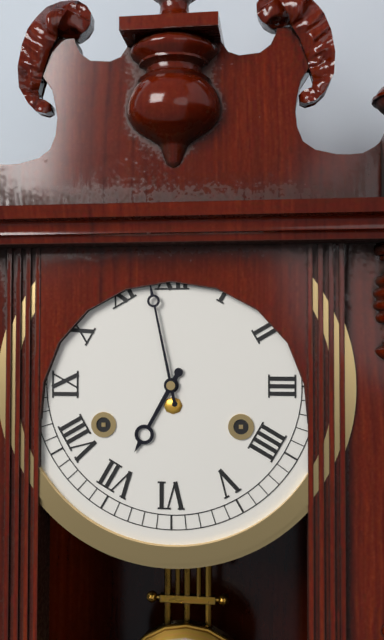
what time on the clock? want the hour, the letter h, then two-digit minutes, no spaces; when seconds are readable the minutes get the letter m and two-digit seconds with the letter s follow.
6h58
